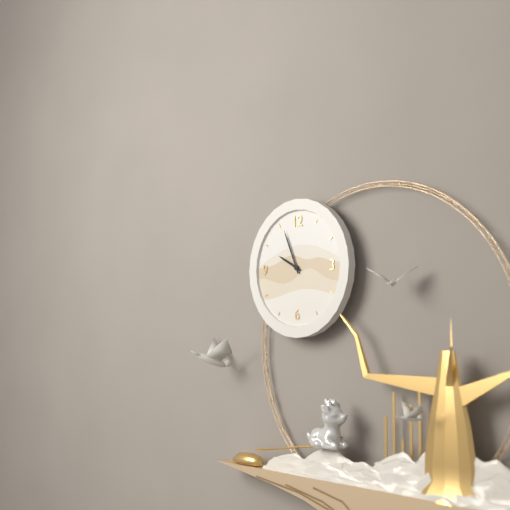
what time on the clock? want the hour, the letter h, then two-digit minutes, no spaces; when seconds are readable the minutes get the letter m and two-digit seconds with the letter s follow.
9h56
